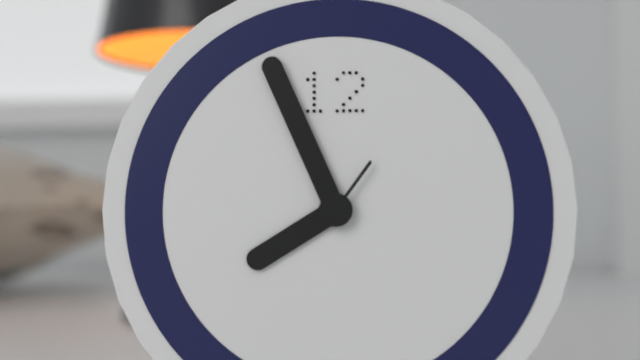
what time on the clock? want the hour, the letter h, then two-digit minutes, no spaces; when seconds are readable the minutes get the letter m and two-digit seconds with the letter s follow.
7h56m06s
